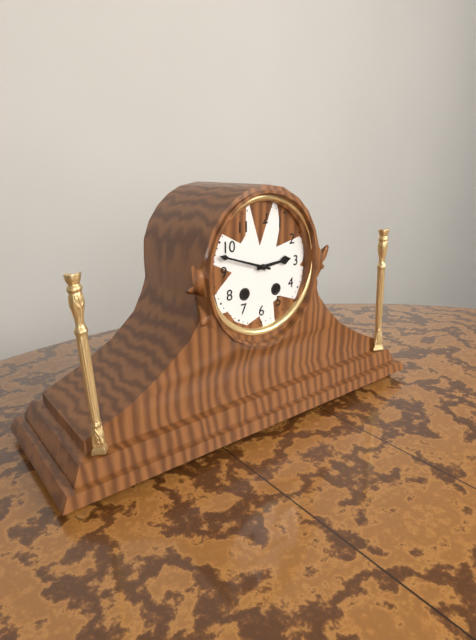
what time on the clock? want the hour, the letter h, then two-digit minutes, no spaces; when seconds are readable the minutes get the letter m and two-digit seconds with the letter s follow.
2h48
